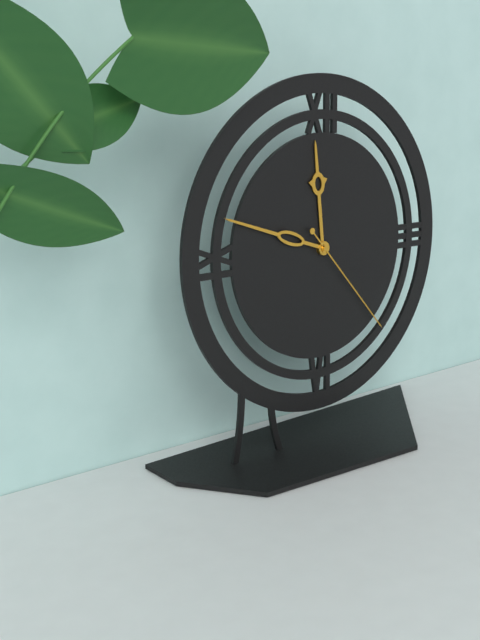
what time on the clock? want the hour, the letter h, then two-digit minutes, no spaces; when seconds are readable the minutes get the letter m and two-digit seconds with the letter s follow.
11h48m23s
